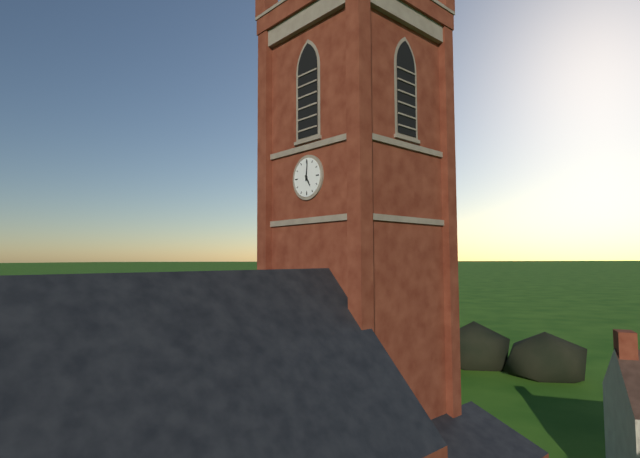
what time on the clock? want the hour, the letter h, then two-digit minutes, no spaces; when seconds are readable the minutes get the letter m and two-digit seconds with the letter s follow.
5h01
